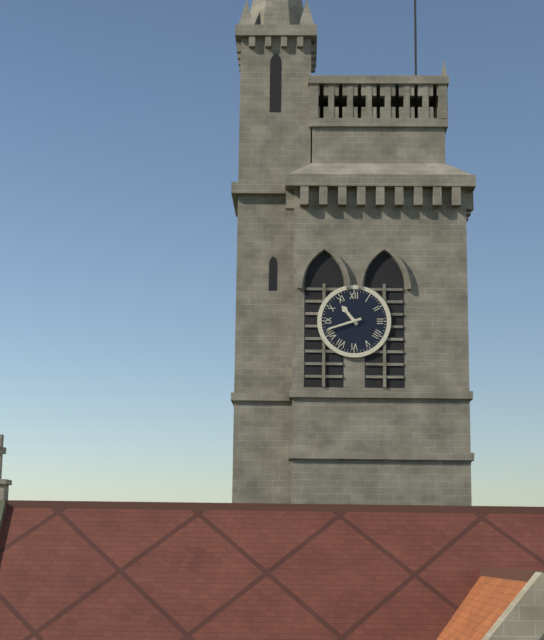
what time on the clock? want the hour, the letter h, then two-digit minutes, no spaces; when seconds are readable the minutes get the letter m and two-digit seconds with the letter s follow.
10h42
